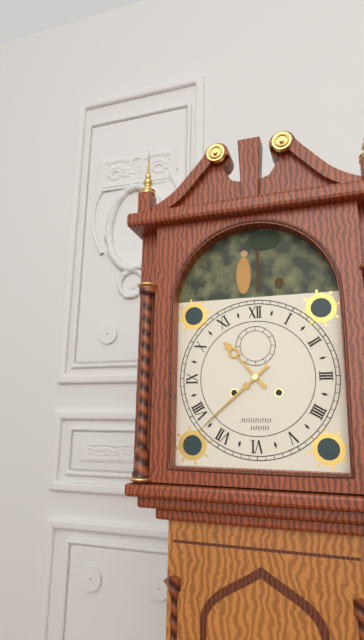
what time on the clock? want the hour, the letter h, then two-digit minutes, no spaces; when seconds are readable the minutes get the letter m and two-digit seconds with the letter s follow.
10h38
